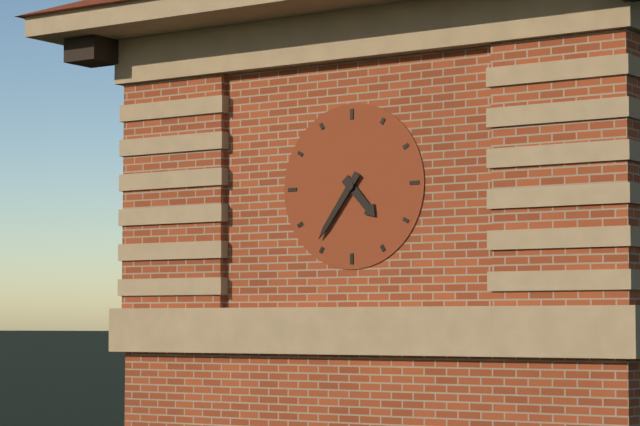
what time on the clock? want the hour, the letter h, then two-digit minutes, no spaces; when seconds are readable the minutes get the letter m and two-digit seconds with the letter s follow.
4h36
